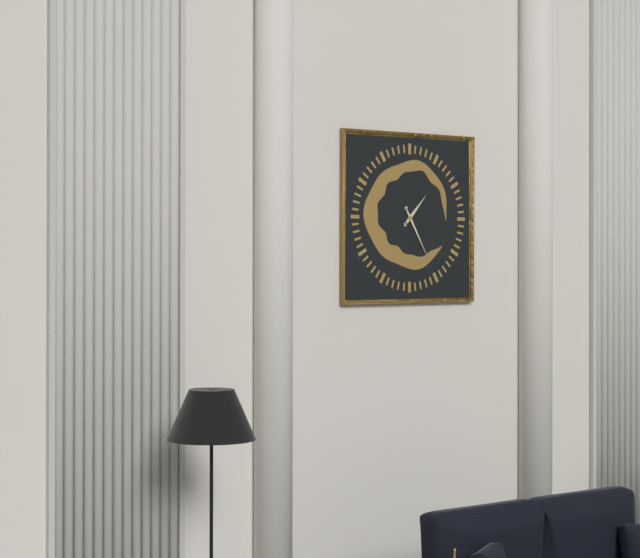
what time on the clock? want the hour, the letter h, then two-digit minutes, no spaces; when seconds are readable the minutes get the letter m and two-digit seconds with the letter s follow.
1h25
